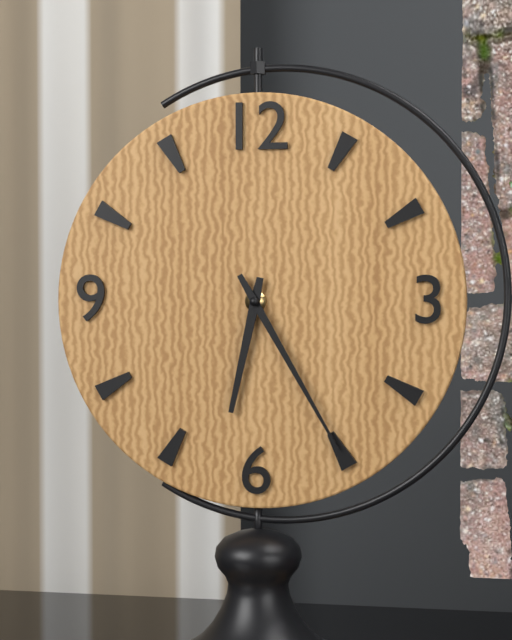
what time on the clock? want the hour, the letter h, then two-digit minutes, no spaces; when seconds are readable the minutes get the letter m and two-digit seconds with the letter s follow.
6h25
